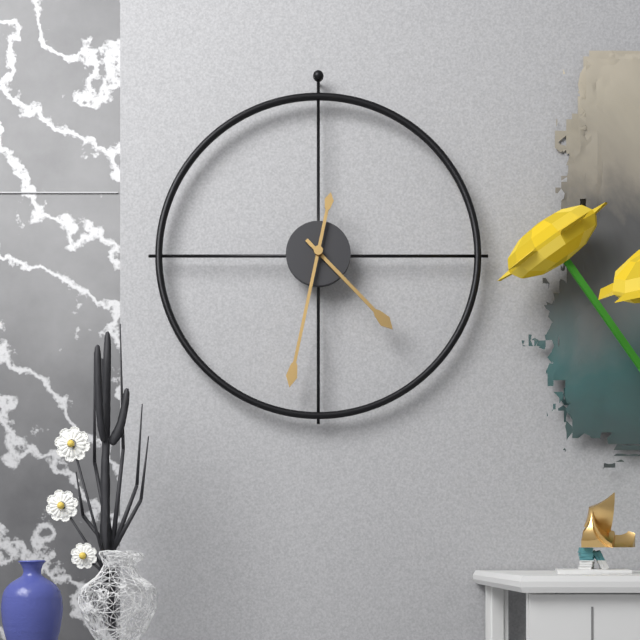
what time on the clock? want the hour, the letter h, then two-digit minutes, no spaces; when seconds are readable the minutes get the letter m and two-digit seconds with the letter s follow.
4h32
